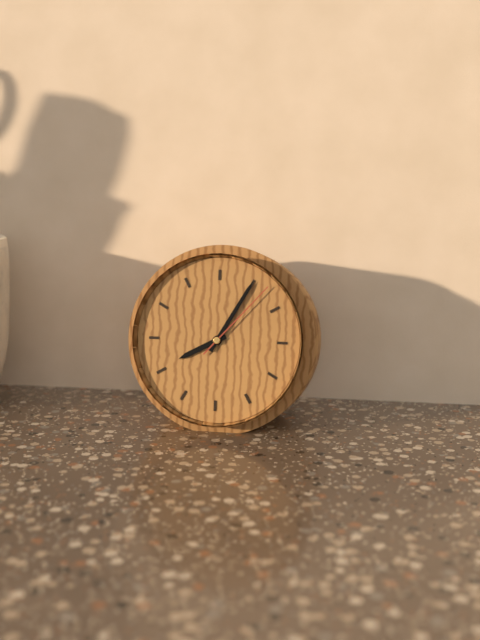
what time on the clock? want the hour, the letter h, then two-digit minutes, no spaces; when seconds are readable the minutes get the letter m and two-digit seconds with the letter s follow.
8h05m07s
